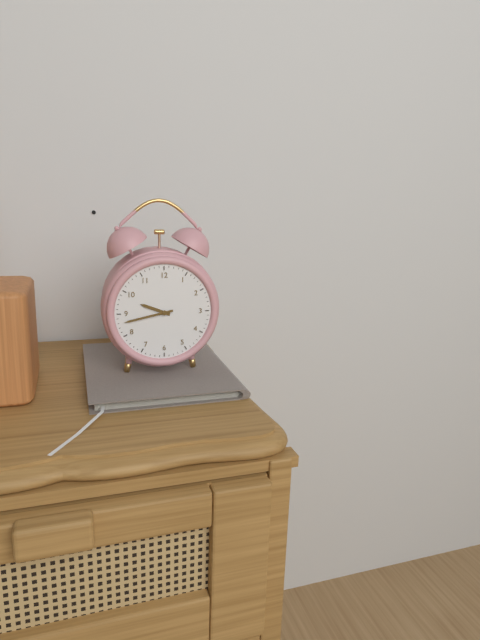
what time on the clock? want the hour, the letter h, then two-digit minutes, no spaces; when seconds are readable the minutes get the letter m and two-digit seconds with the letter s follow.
9h43
